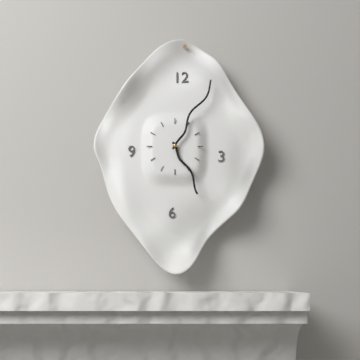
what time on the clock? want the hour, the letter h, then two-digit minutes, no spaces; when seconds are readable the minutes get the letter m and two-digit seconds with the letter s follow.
5h05
